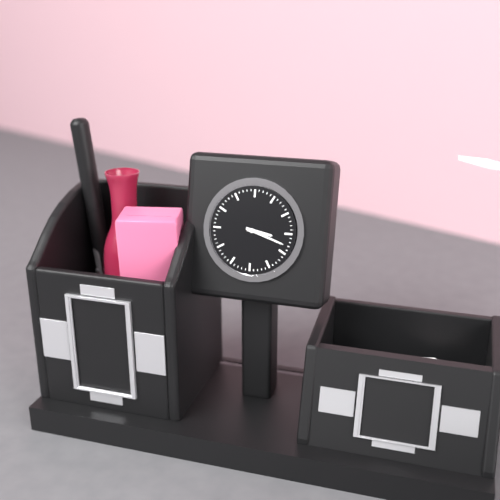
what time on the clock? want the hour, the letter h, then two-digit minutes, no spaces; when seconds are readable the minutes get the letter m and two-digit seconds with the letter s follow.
3h18
